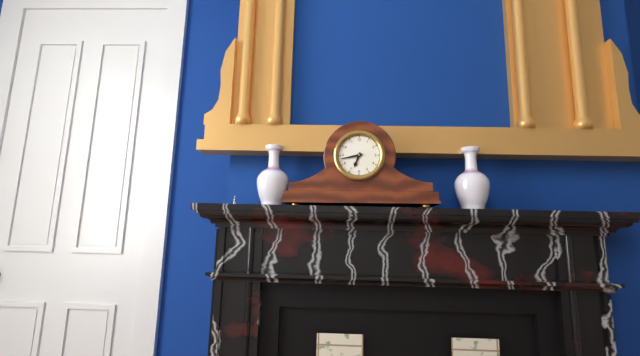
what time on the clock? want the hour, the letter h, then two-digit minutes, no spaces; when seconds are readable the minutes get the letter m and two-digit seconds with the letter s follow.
6h43
